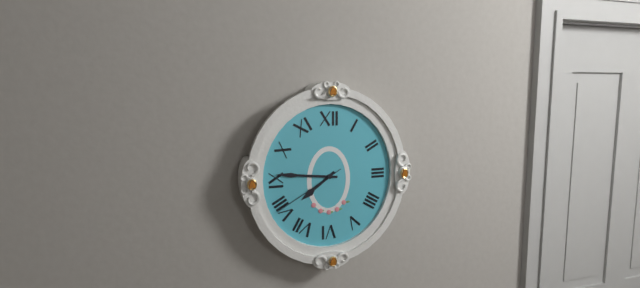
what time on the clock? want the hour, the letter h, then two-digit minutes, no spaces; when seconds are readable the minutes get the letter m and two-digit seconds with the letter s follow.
7h46m40s
